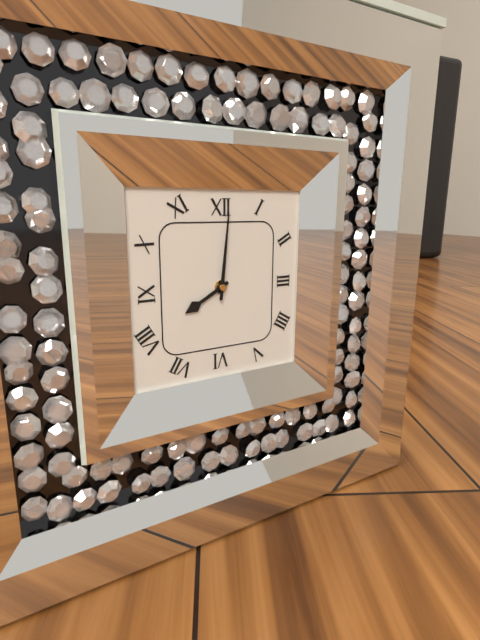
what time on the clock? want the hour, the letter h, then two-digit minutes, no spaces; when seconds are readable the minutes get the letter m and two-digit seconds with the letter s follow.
8h01
